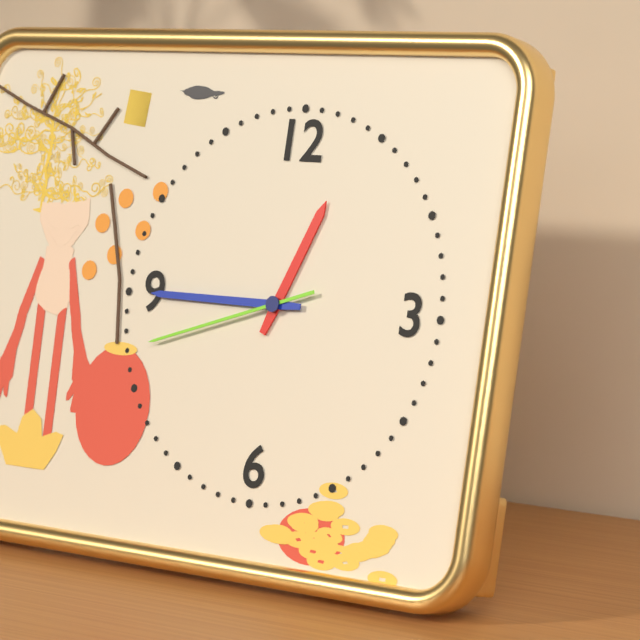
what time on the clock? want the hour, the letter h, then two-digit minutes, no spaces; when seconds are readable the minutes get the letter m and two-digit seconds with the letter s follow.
12h45m42s
